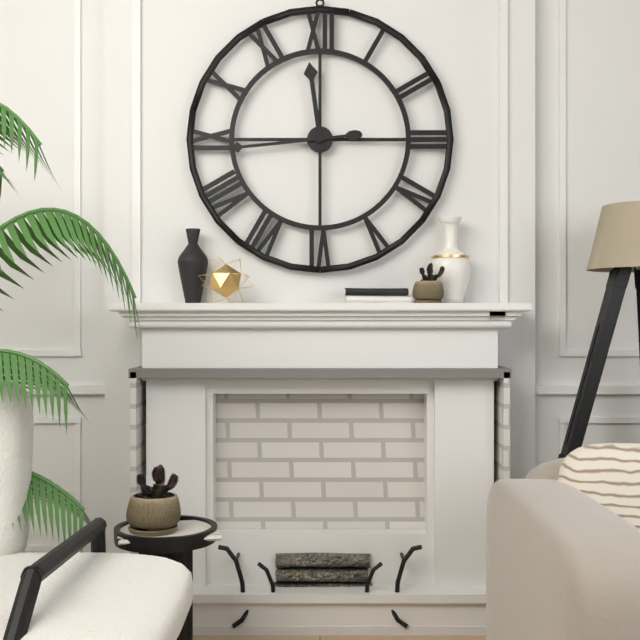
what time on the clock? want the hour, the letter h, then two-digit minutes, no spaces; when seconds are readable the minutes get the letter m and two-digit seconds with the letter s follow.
11h44
